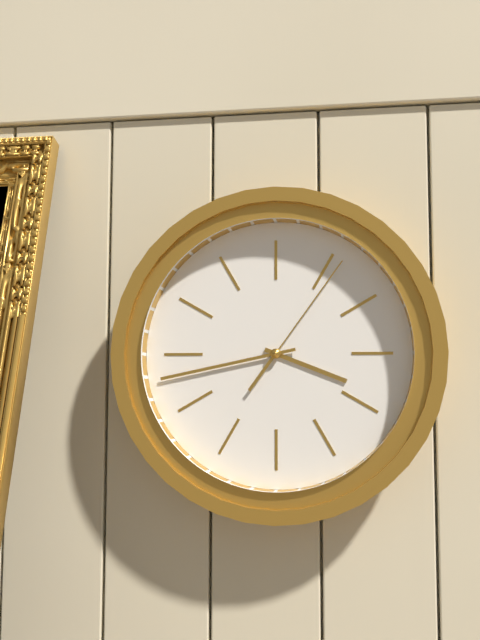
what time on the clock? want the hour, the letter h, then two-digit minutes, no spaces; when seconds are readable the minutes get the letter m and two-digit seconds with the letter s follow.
3h43m06s
